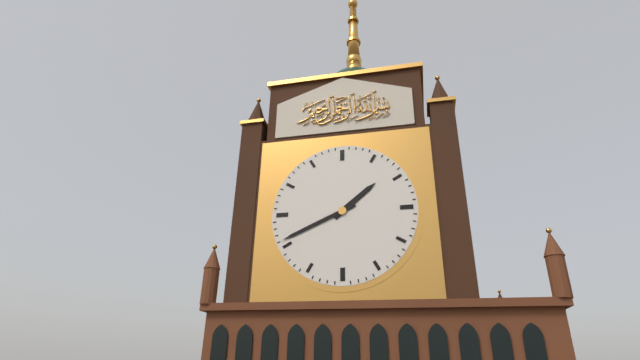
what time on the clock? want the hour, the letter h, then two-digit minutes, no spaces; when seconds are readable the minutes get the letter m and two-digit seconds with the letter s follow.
1h41
